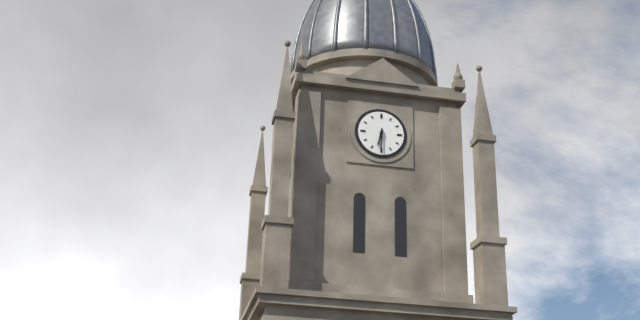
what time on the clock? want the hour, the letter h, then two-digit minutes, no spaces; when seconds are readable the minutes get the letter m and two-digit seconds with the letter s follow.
6h30
